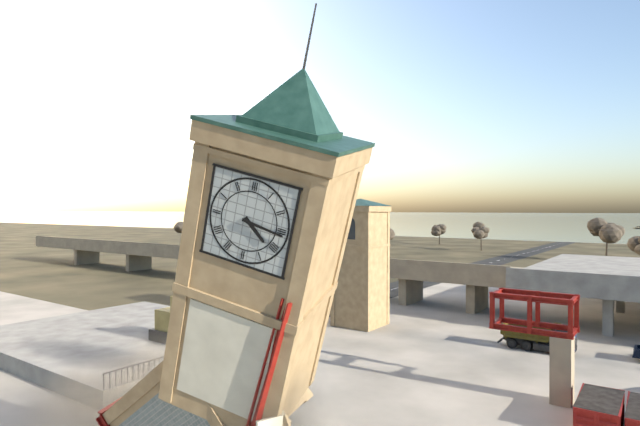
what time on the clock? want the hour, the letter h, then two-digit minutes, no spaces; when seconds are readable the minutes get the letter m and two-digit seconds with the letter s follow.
4h16
